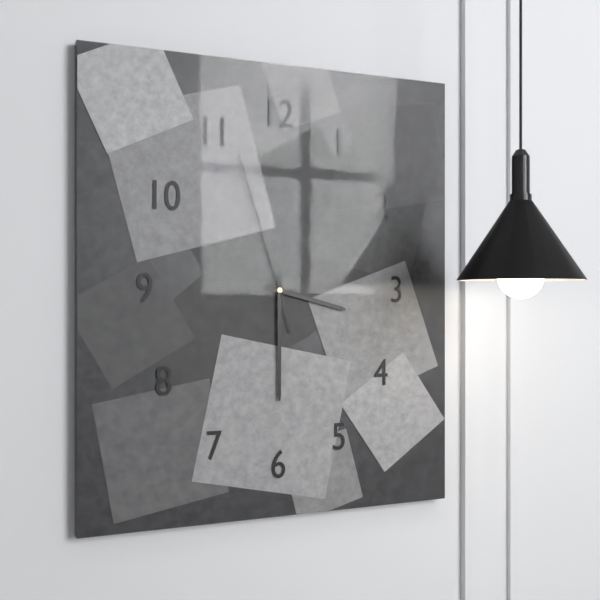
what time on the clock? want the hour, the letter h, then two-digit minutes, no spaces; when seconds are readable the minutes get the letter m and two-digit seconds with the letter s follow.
3h30m57s
